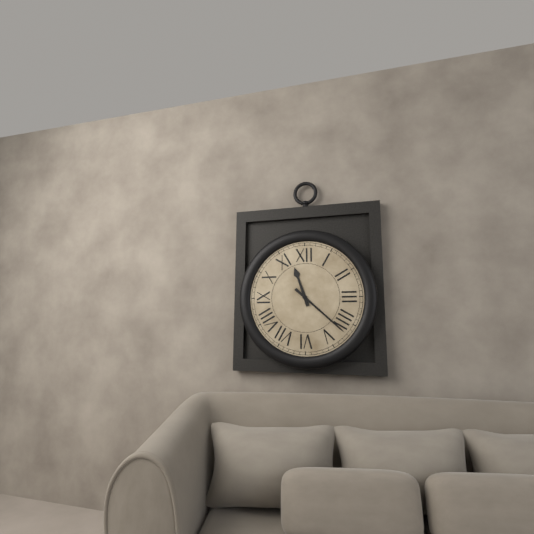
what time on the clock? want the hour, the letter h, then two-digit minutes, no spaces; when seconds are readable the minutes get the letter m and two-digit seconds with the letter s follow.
11h22
